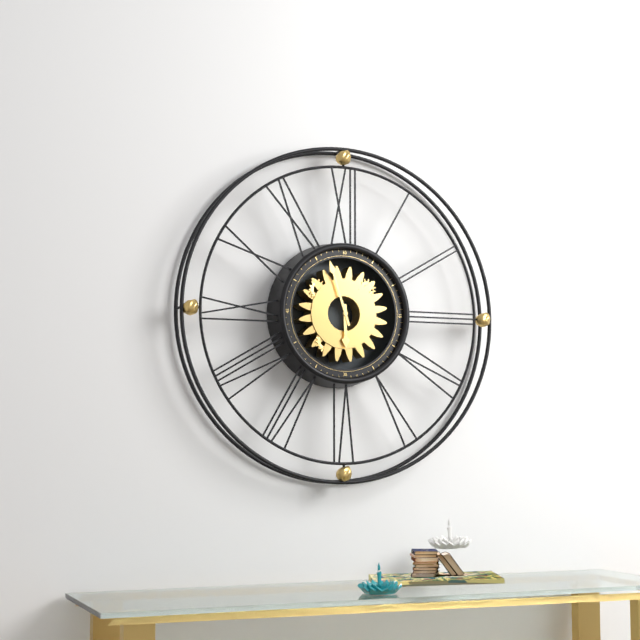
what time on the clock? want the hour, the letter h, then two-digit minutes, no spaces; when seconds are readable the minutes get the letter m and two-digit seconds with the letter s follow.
5h57
